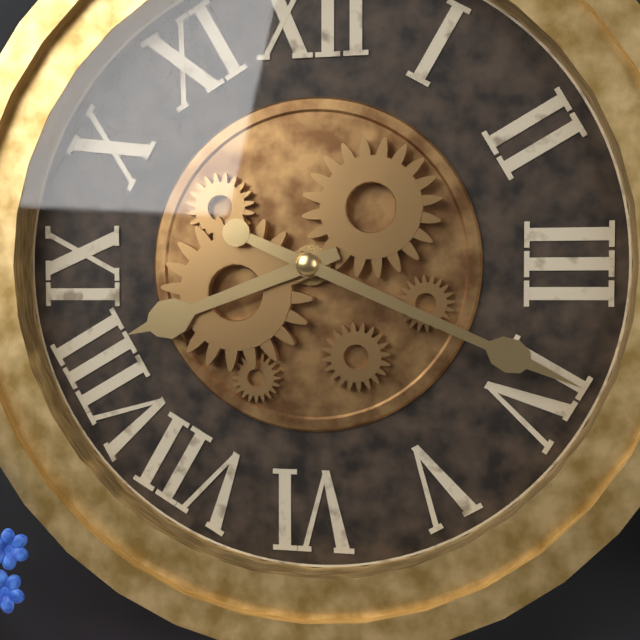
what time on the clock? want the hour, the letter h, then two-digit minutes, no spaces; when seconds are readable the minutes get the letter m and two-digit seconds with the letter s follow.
8h19
